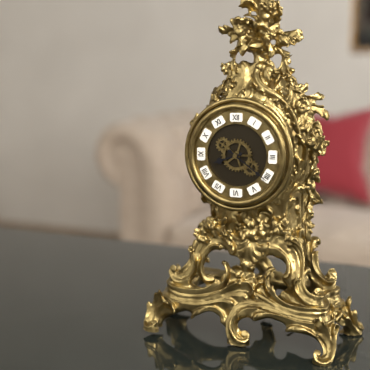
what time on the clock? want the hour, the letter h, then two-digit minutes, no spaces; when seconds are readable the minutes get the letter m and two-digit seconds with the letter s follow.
8h21
